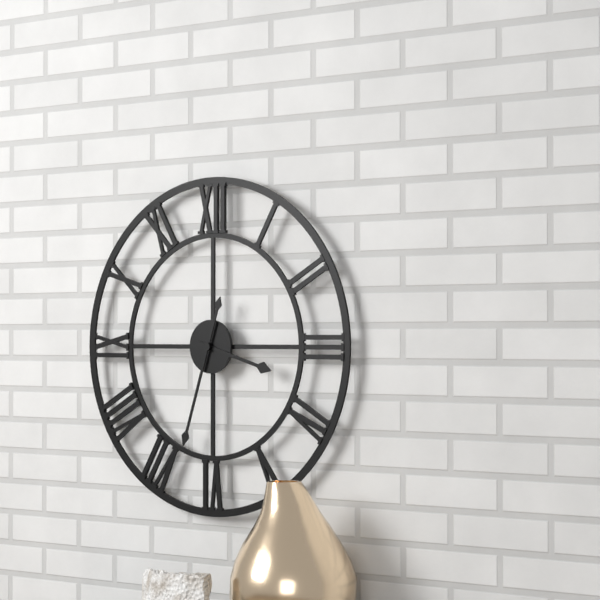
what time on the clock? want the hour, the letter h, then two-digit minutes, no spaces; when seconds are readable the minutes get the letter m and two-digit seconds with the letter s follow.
3h33
